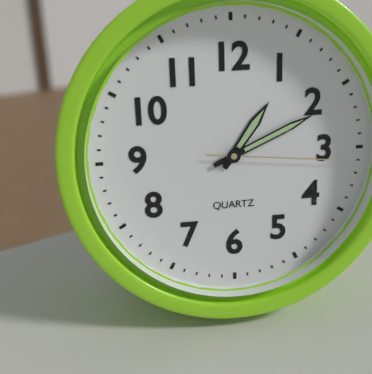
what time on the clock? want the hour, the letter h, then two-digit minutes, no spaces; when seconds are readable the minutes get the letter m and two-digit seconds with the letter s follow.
1h11m16s
